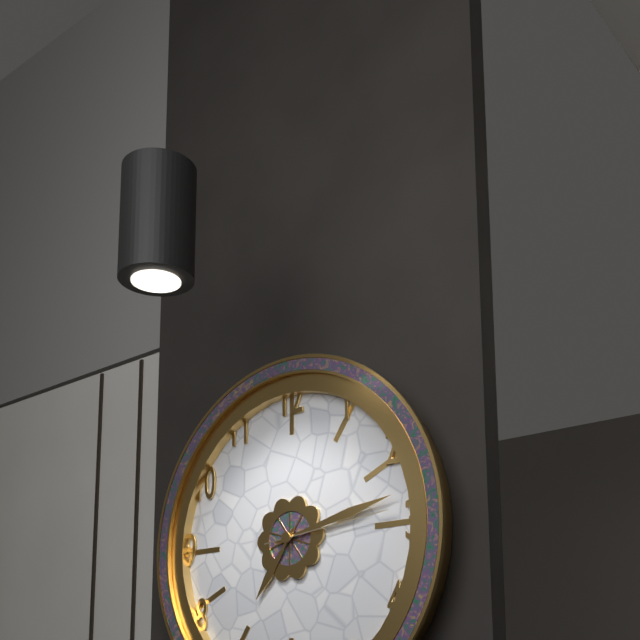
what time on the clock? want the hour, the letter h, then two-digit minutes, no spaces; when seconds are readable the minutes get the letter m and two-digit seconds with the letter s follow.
7h13m14s
